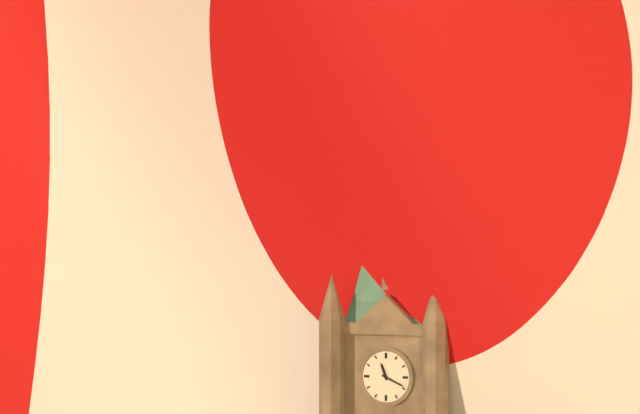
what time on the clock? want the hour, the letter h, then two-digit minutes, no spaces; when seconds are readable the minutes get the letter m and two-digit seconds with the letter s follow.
11h19
